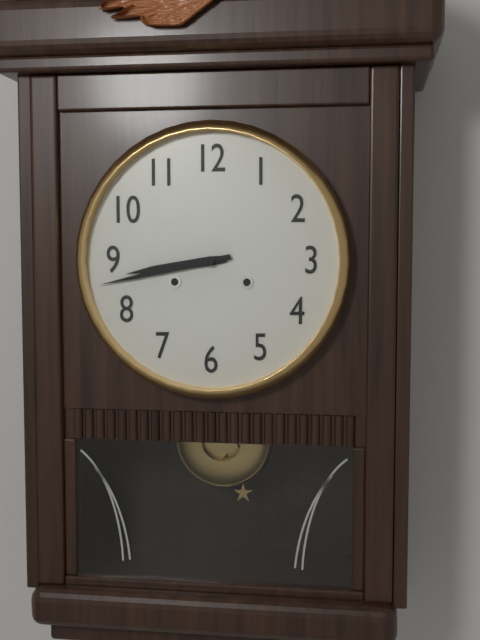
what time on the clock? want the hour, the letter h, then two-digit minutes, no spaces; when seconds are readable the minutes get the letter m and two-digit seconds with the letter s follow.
8h43
